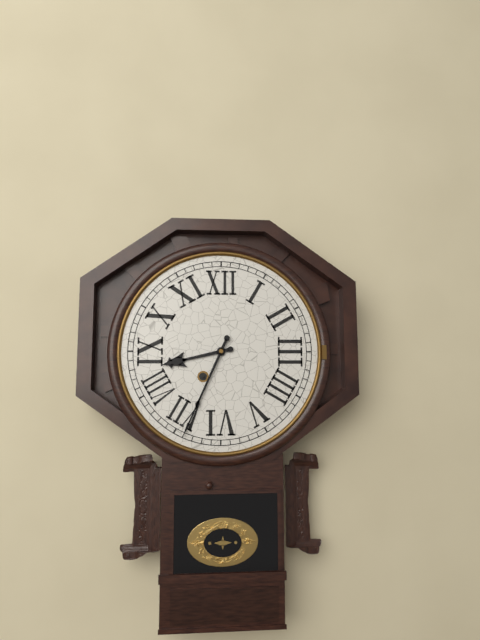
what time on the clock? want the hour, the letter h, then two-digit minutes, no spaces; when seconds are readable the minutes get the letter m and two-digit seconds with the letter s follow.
8h34
